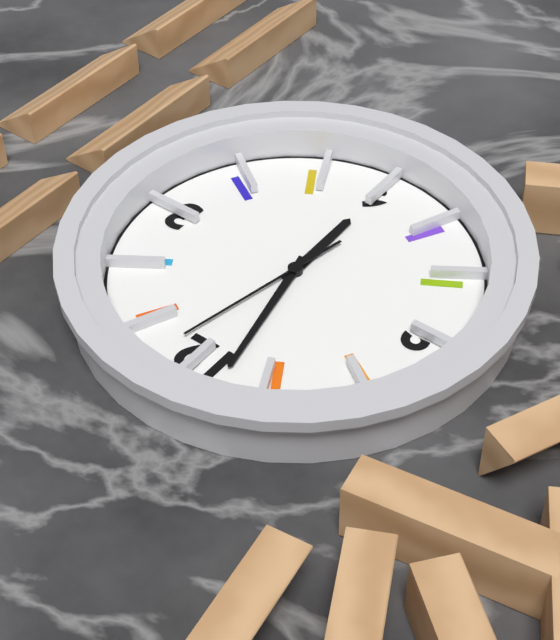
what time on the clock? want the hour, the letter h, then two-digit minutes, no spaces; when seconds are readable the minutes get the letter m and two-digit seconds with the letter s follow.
5h58m02s
